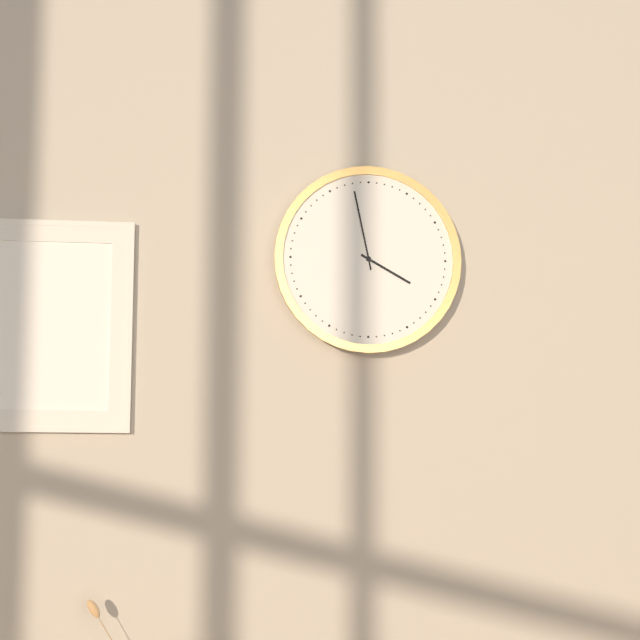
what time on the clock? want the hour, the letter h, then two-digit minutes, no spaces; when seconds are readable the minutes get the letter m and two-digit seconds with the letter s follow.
3h58
